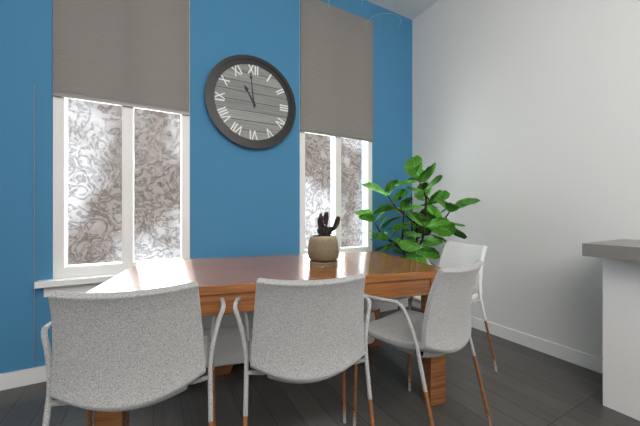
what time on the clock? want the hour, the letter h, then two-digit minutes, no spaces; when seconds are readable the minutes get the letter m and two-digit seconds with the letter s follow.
10h59
